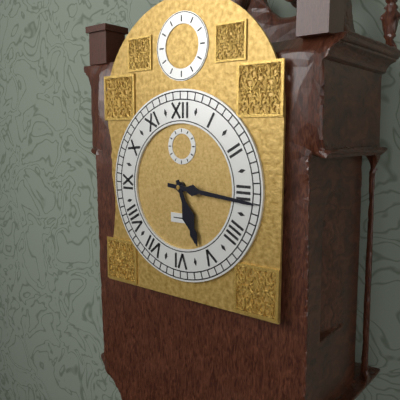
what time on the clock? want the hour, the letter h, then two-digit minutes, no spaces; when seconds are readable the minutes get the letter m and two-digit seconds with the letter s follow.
5h16
